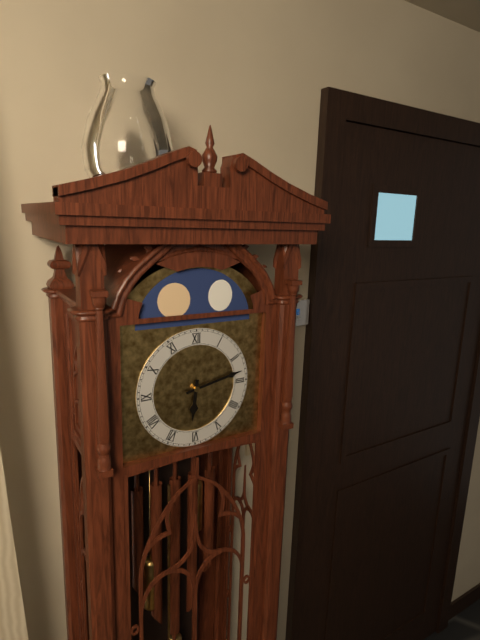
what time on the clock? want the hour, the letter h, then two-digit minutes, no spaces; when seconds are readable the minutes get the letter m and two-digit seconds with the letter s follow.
6h13
